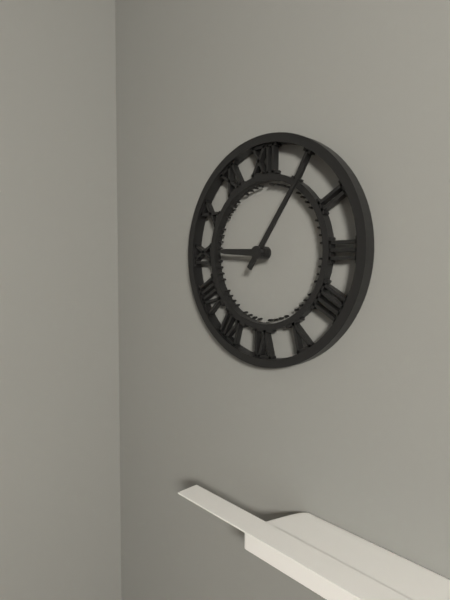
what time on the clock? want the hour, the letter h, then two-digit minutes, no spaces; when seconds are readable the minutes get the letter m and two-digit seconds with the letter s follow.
9h06
